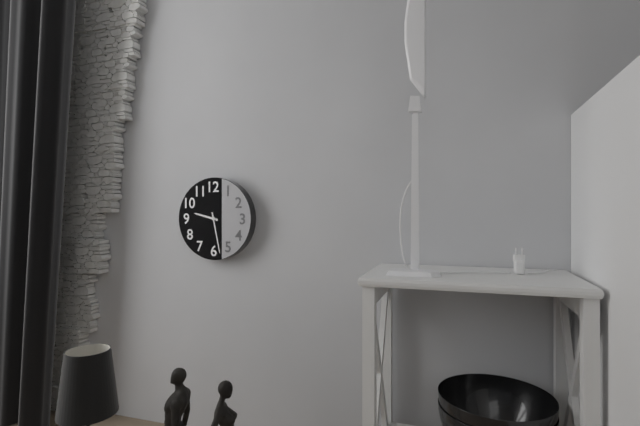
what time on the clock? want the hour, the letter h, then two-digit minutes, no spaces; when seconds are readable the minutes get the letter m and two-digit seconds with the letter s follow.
9h28
